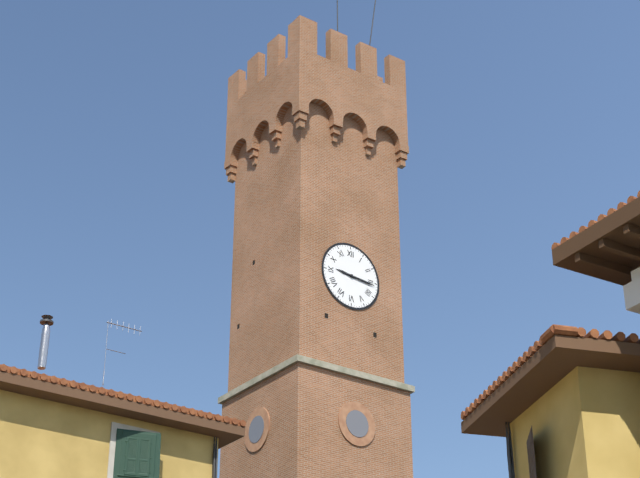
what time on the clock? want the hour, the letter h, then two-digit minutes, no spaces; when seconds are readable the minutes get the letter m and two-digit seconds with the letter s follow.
9h16
